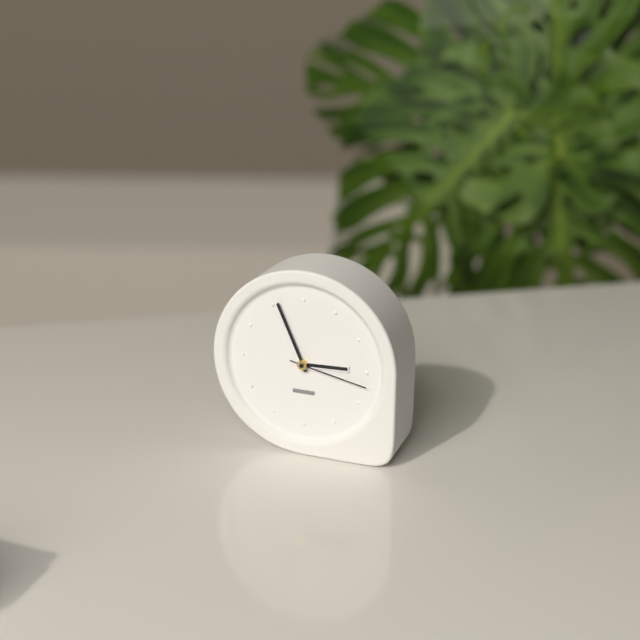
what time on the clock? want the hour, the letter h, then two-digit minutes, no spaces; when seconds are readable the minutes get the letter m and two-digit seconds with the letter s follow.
2h56m17s
